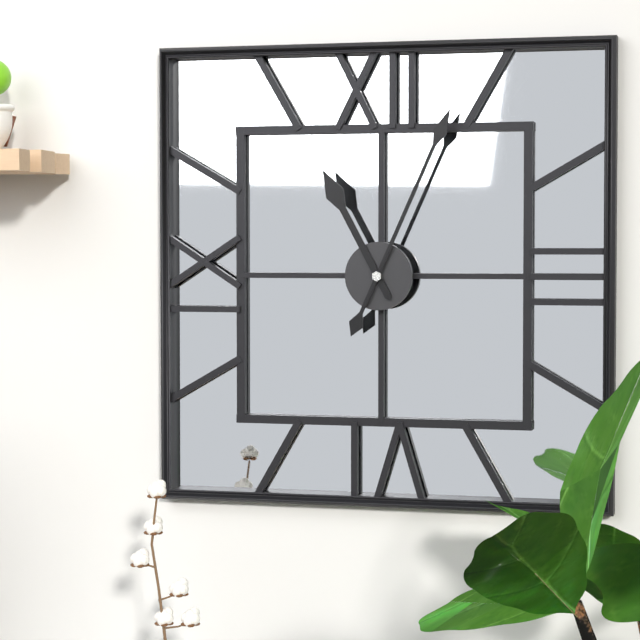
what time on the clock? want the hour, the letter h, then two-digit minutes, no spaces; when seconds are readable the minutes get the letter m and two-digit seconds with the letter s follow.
11h04
